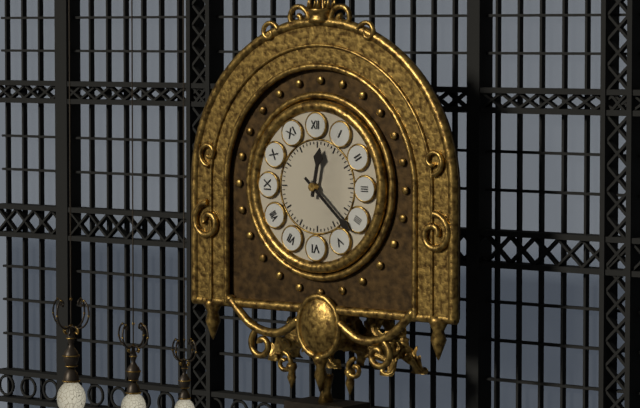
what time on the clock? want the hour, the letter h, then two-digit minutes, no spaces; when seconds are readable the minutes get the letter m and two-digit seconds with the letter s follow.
12h22
